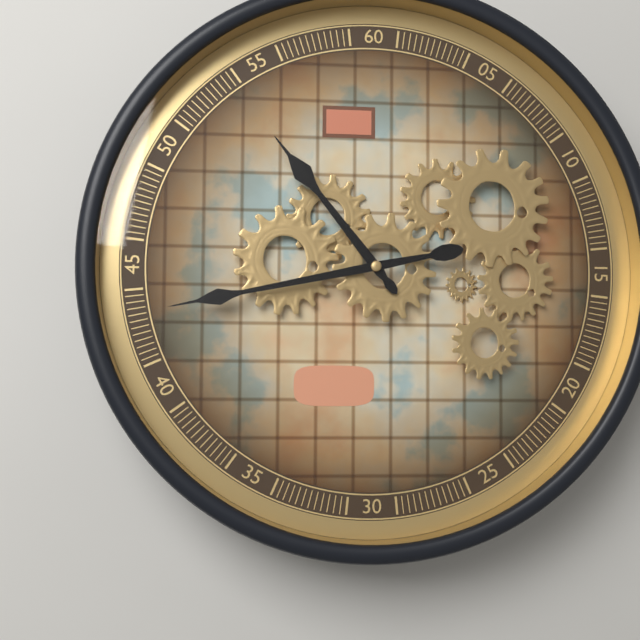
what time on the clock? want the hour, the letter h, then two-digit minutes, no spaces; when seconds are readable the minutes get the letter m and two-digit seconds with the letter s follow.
10h43
